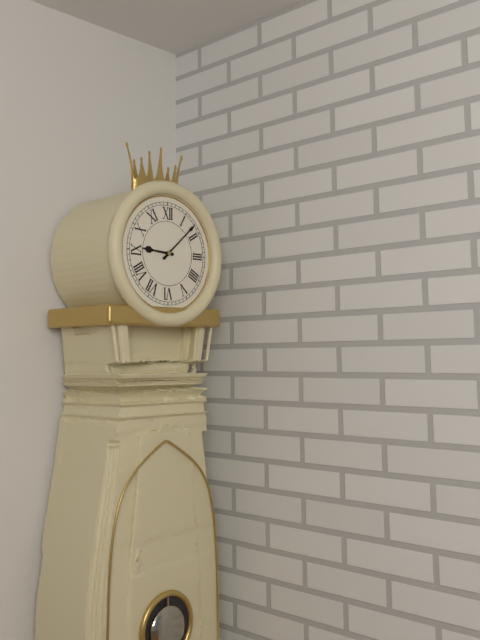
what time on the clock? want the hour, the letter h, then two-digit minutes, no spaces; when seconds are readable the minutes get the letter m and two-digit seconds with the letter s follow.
9h08
